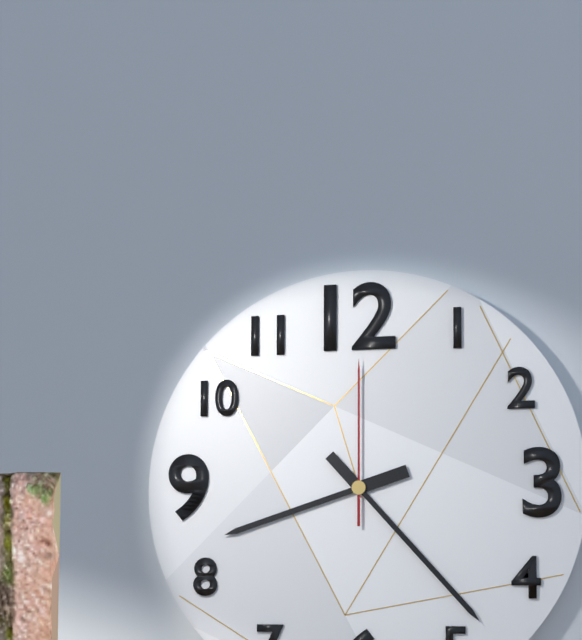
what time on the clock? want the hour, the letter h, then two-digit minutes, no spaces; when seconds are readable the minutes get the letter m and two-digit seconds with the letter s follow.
8h23m00s
